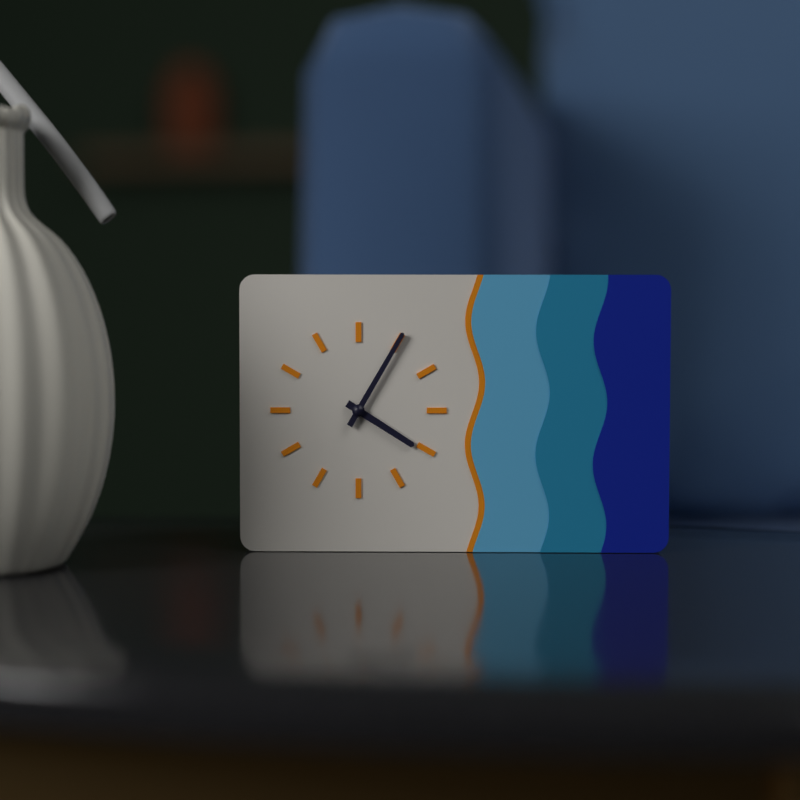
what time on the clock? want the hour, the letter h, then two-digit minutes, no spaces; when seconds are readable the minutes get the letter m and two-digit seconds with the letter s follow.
4h05
